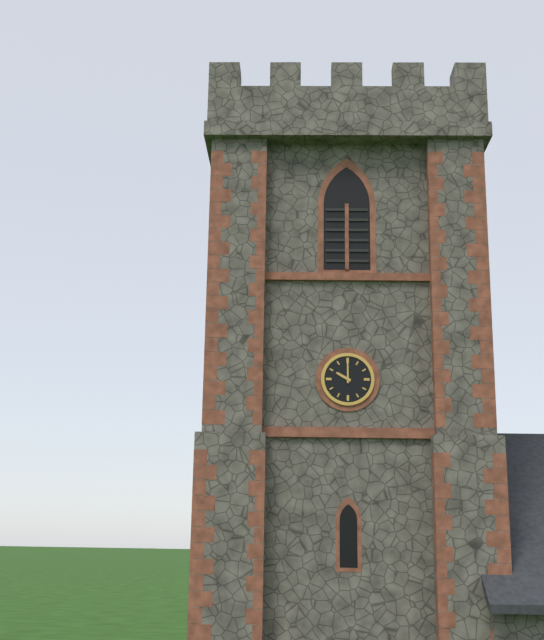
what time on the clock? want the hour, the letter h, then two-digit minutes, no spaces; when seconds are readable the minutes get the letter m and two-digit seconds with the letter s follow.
10h00
